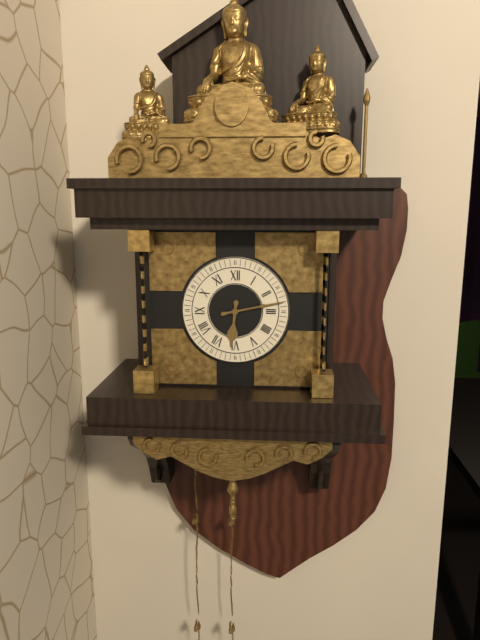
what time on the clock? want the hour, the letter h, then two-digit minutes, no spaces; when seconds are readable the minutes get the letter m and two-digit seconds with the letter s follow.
6h13
